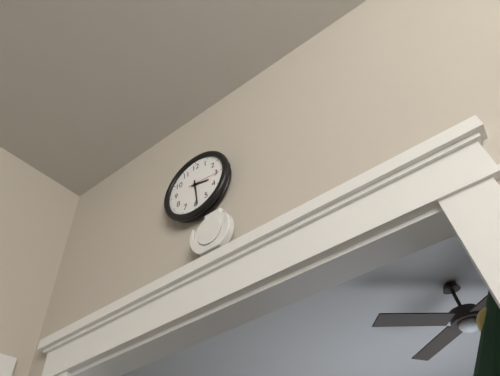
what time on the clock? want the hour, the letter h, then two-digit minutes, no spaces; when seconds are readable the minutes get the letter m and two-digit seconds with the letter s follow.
3h29
